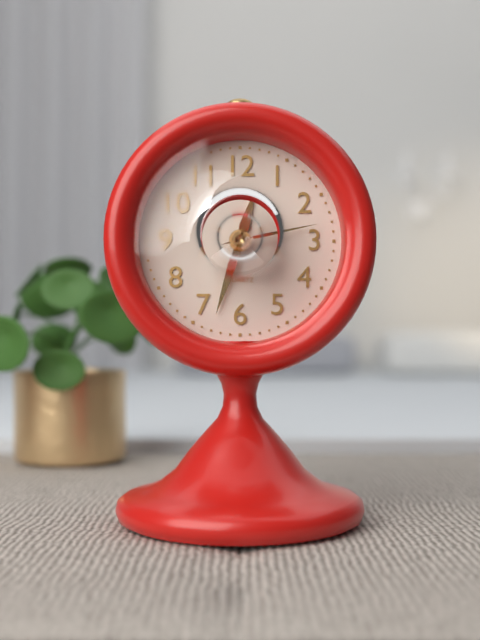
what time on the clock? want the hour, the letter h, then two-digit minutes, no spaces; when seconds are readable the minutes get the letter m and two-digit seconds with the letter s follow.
12h33m13s
